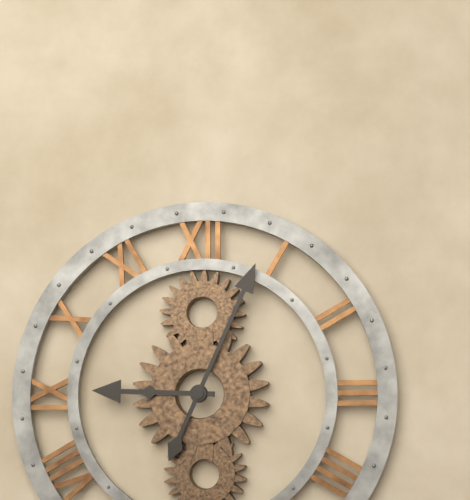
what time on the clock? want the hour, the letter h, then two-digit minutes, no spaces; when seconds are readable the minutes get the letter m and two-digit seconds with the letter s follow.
9h04
